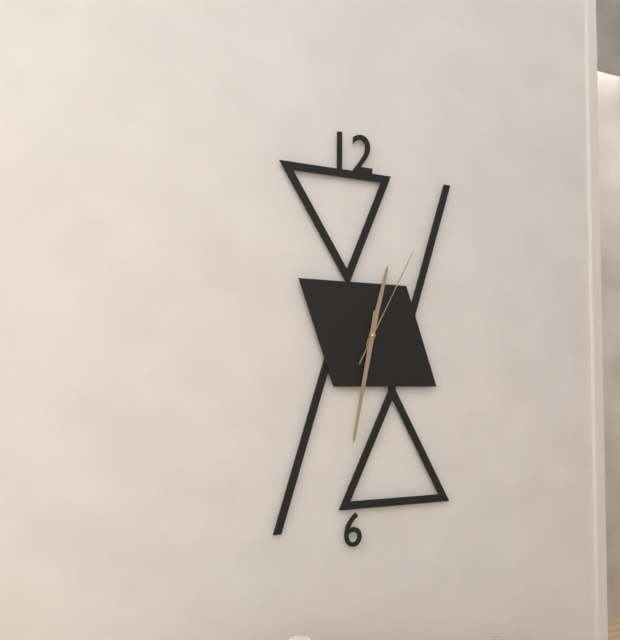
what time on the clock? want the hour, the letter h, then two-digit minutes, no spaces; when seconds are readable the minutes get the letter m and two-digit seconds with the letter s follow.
12h32m05s
